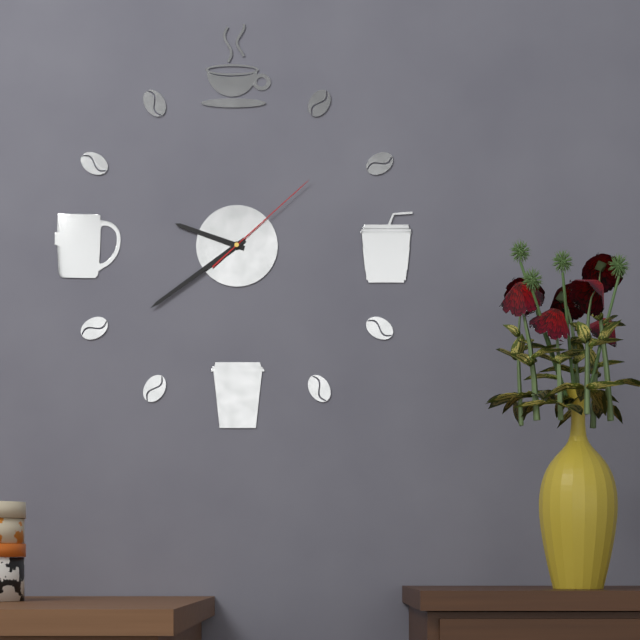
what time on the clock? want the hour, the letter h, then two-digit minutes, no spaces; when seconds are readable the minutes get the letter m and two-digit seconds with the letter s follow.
9h39m08s
